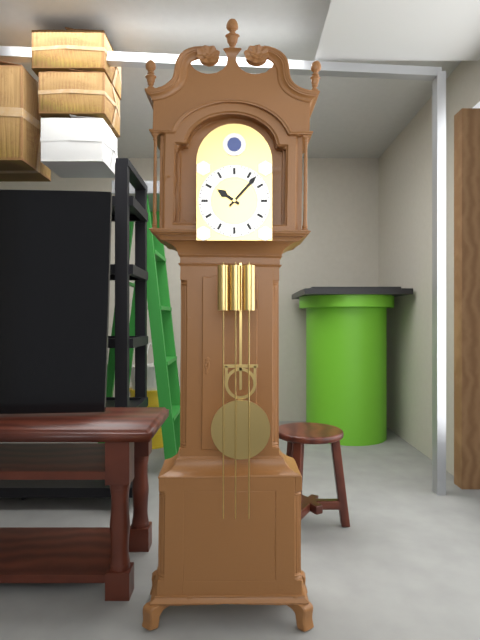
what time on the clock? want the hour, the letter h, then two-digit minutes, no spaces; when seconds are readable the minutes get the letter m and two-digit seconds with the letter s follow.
10h07
